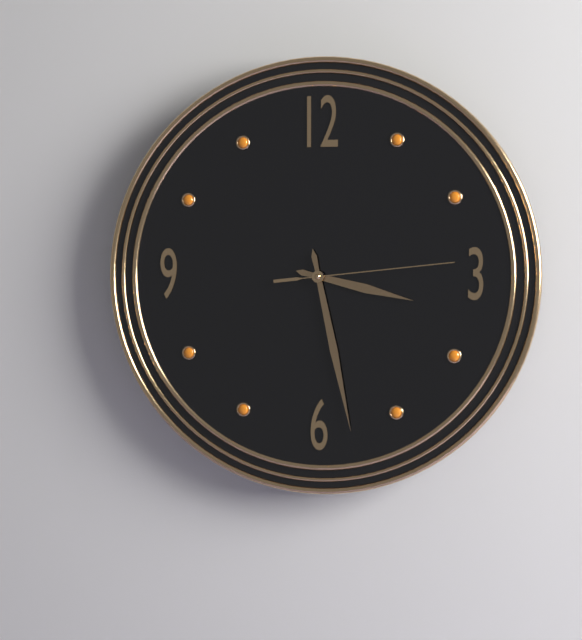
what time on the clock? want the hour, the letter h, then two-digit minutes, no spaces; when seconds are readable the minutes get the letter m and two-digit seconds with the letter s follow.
3h28m14s
